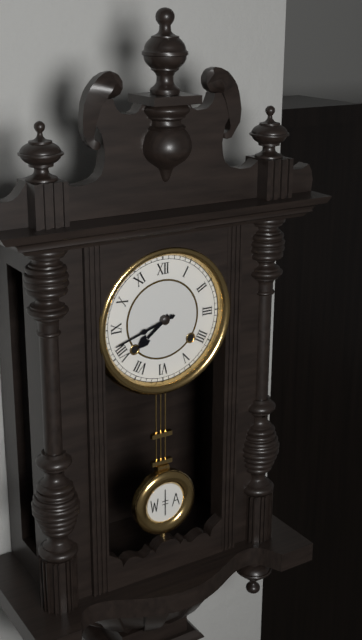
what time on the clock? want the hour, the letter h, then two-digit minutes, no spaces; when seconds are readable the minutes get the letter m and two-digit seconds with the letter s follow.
7h42
